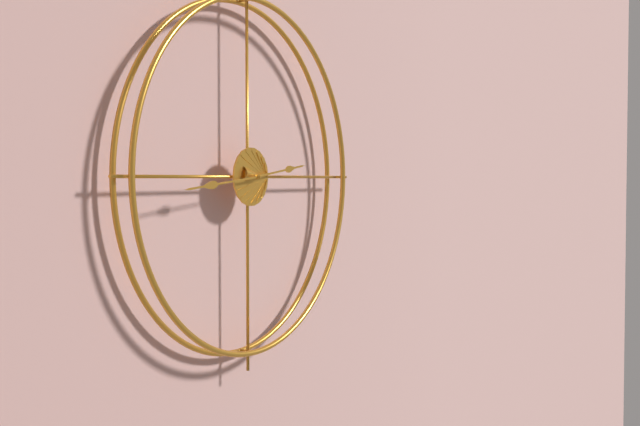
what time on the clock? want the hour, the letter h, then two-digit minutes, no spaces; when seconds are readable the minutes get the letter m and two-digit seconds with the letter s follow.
2h44
